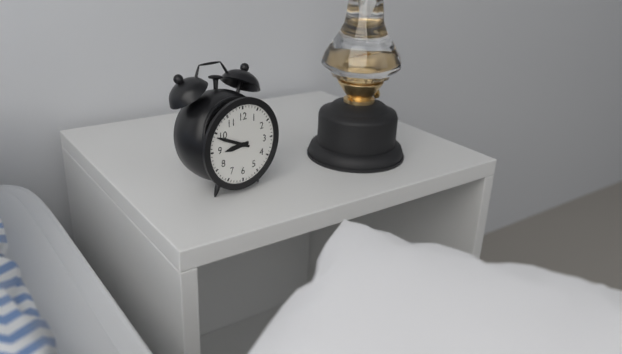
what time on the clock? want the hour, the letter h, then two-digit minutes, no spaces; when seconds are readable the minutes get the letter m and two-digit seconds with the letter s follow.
8h49
